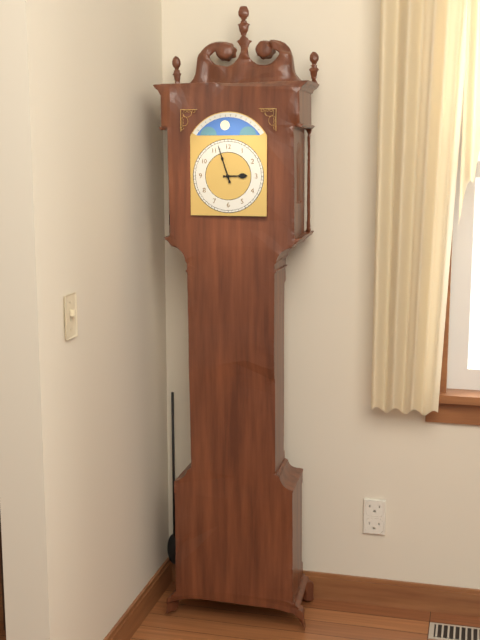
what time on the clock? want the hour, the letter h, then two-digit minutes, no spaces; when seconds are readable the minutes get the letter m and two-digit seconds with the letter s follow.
2h57
